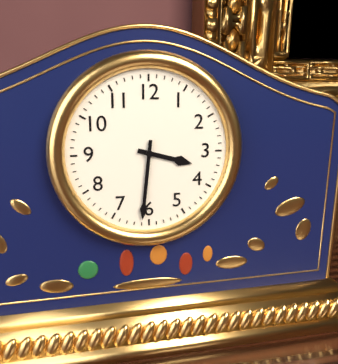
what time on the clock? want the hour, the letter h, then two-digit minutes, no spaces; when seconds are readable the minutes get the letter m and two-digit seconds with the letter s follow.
3h31
